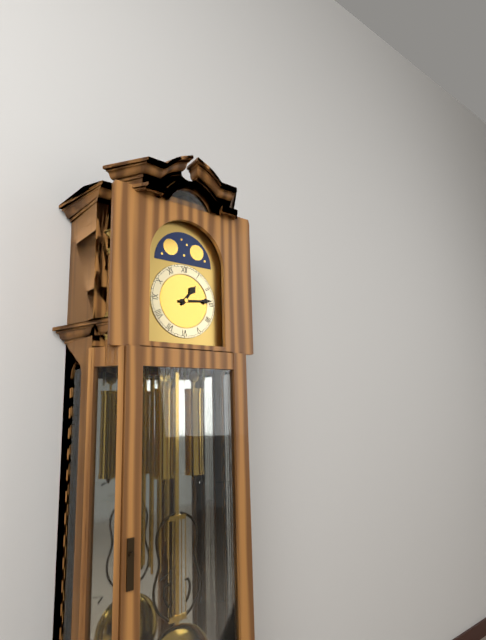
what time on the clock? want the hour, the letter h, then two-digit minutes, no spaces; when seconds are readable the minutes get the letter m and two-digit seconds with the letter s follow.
1h14
